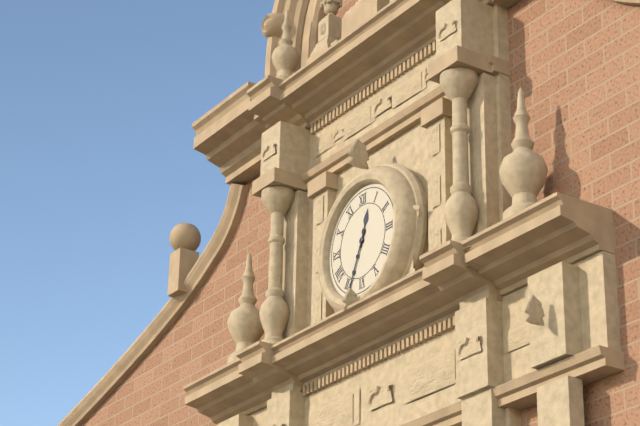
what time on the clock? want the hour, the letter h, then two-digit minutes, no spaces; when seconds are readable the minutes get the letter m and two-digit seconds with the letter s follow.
12h34
